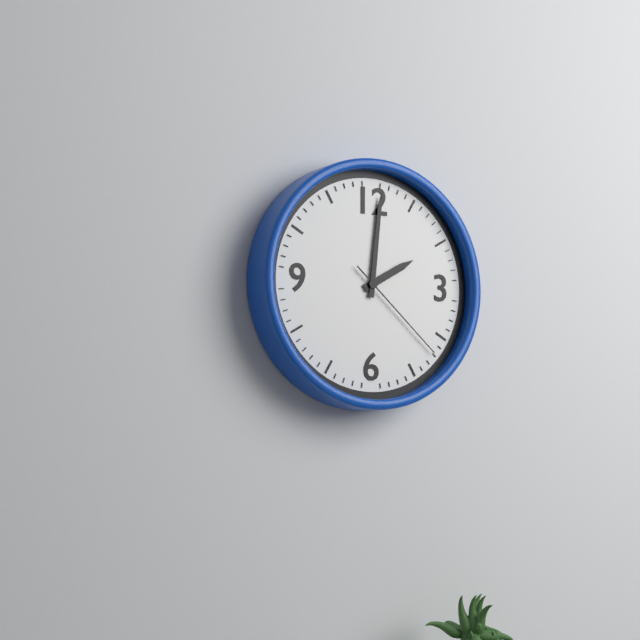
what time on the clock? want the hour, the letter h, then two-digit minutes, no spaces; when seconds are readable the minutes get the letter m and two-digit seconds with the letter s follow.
2h01m22s
